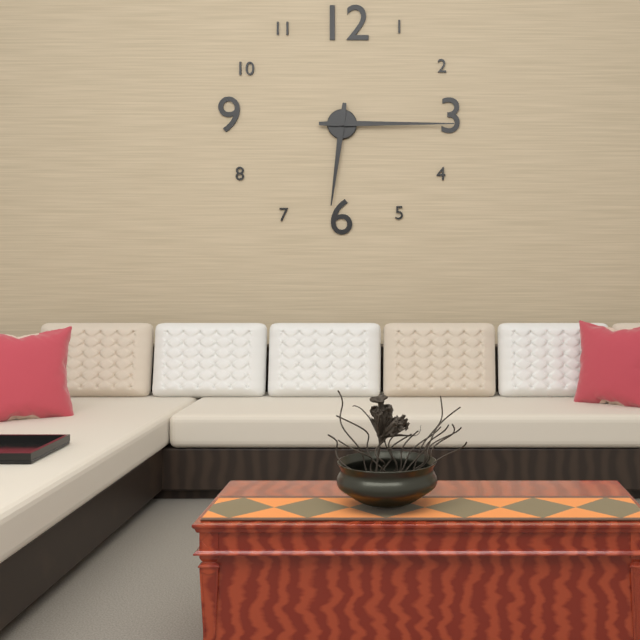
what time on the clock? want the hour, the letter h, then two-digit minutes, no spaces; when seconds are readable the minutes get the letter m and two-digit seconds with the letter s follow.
6h15
